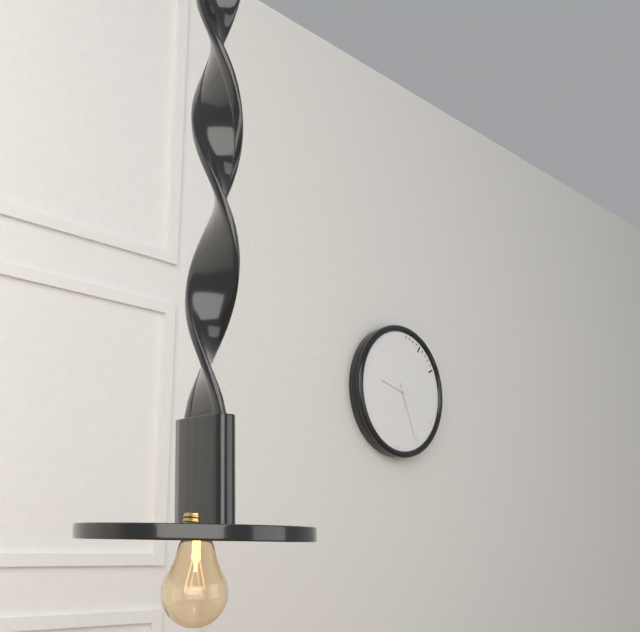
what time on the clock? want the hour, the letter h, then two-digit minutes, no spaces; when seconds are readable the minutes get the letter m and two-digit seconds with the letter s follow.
9h26
